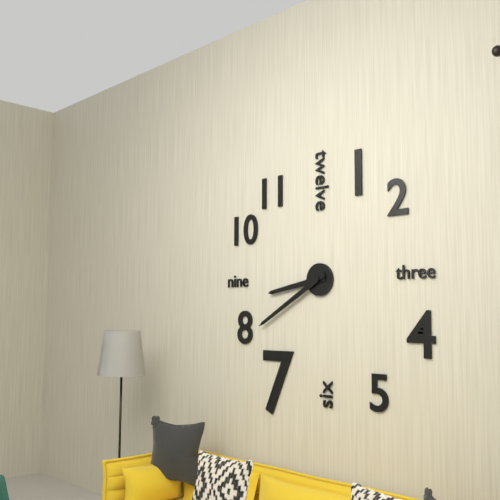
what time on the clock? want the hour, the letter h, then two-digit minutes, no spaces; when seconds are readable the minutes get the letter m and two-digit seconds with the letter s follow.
8h40
